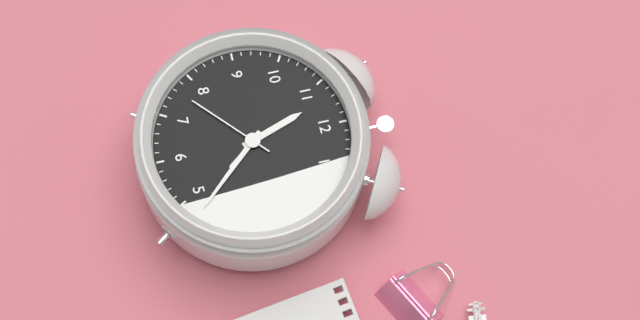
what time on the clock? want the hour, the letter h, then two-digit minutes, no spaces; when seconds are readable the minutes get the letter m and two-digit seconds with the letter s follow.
11h23m38s
